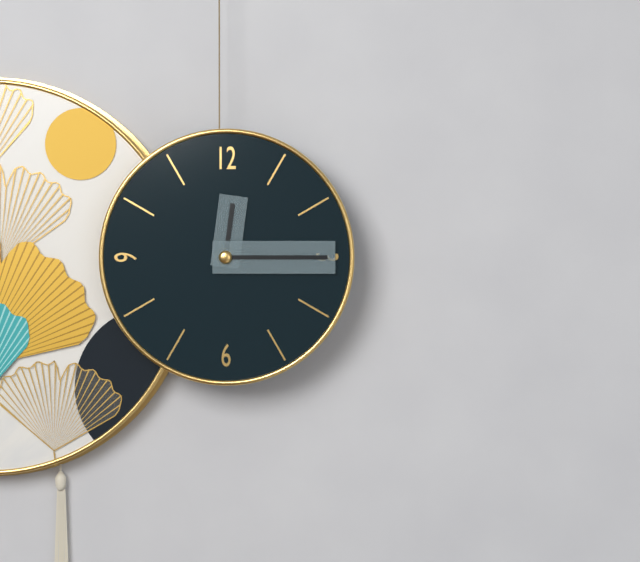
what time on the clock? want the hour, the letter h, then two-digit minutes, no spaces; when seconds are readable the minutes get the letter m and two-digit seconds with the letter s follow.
12h15
